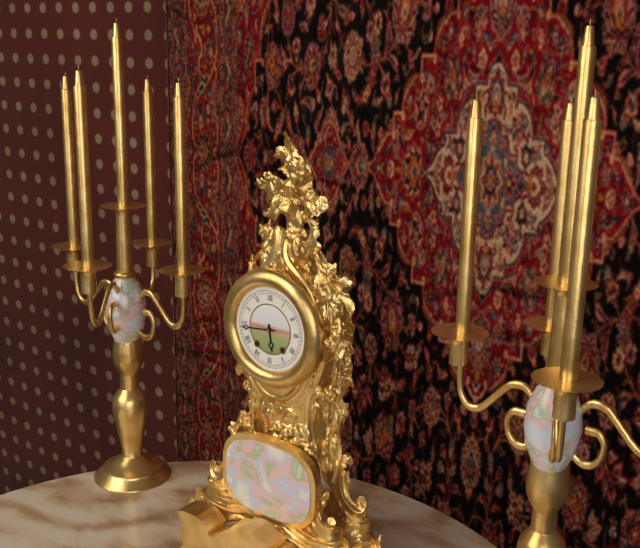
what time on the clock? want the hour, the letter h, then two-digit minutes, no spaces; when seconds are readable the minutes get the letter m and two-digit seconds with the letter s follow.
5h44
